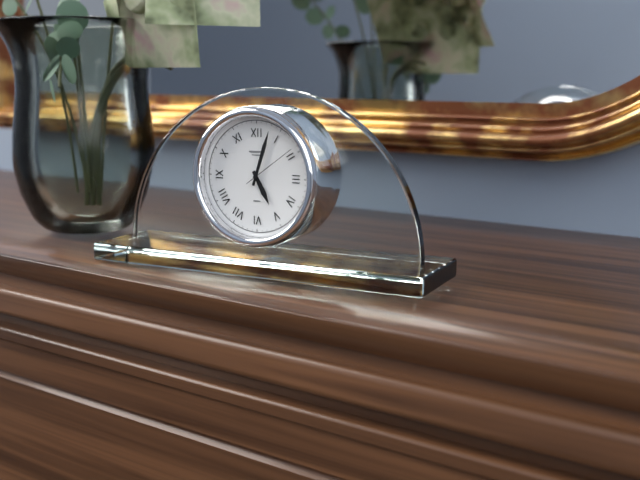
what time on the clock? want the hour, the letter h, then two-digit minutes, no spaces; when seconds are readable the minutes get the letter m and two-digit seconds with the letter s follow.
5h03m09s
